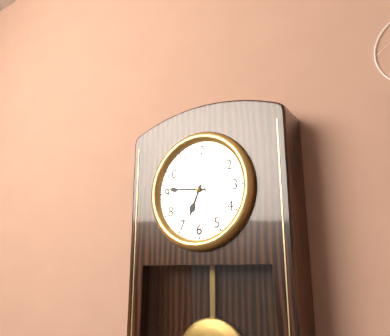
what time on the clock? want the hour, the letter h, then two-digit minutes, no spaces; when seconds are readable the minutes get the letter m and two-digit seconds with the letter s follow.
6h46
